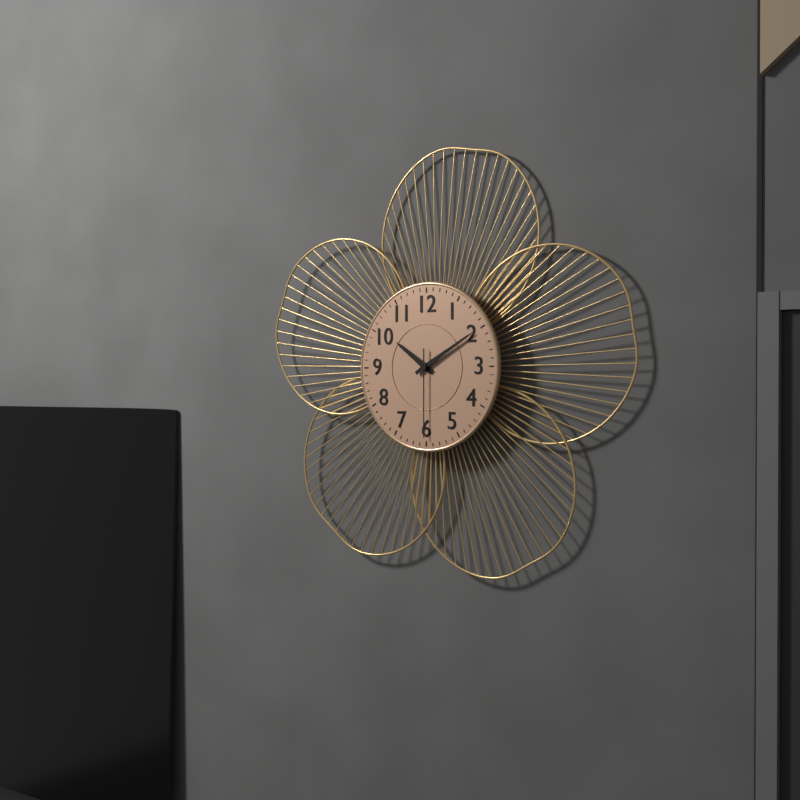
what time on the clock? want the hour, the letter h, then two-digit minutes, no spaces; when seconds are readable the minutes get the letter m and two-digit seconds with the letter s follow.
10h10m30s
